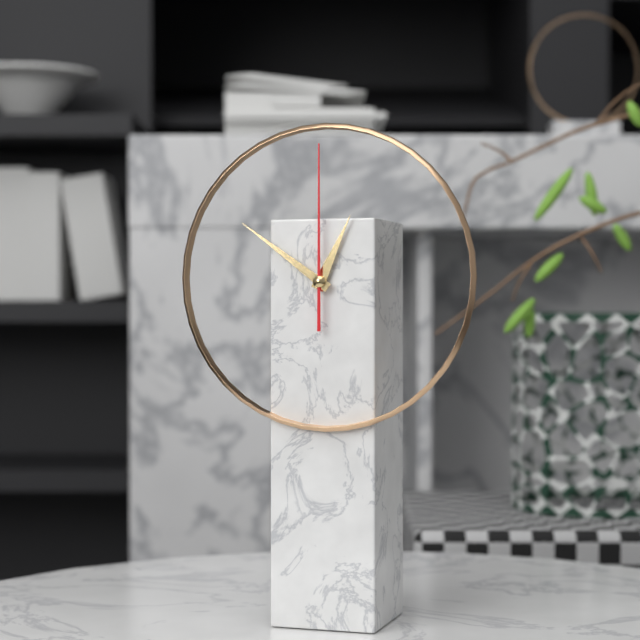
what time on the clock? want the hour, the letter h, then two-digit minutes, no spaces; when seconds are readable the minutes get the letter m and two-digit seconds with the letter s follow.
12h51m00s
